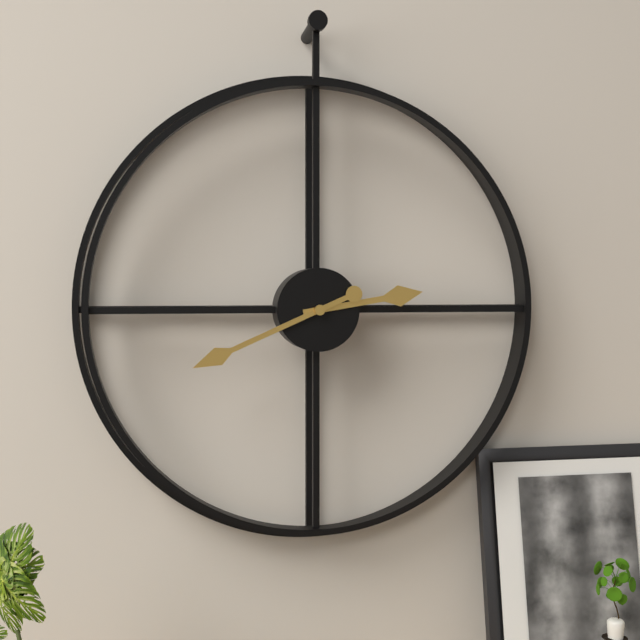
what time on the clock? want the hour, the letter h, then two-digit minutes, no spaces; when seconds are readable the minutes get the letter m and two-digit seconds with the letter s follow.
2h41
